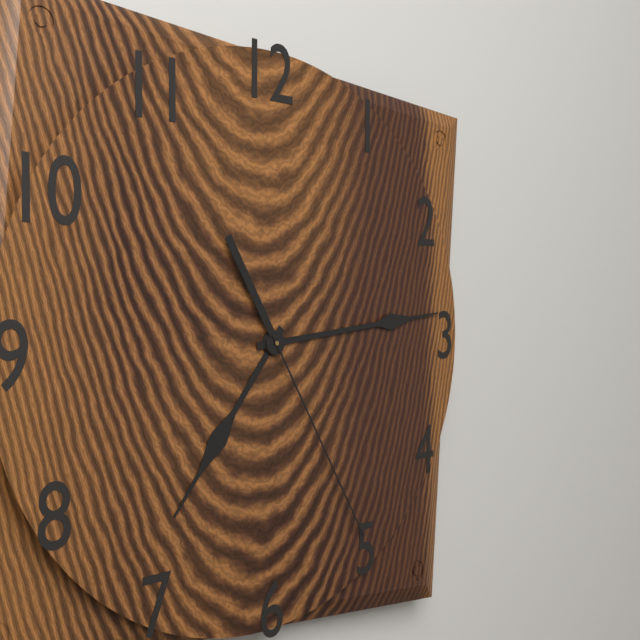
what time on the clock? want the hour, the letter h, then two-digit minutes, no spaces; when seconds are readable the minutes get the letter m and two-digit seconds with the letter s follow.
7h14m25s
